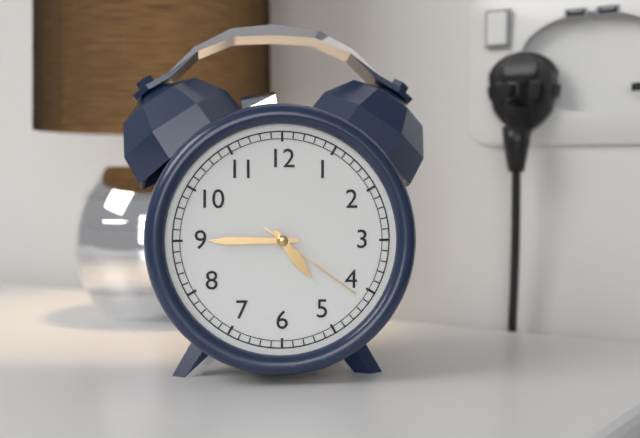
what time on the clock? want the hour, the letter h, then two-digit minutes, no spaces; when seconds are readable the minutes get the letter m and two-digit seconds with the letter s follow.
4h45m21s
